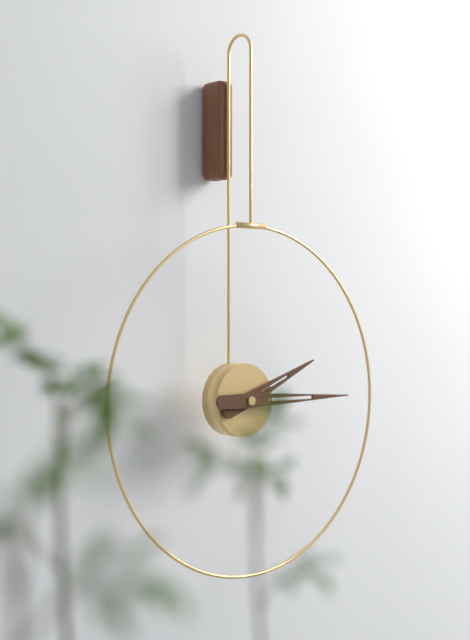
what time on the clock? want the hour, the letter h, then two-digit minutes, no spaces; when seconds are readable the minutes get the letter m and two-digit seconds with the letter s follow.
2h15
